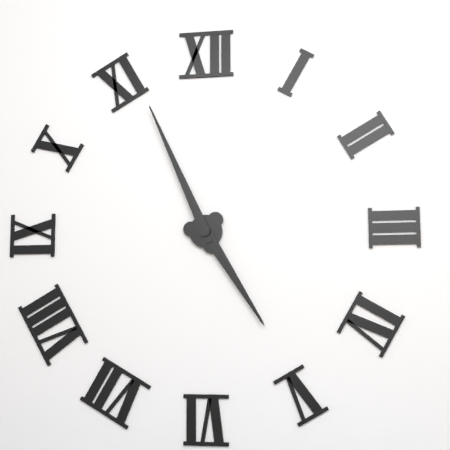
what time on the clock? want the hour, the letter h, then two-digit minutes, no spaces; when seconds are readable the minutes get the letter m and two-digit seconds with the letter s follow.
4h56
